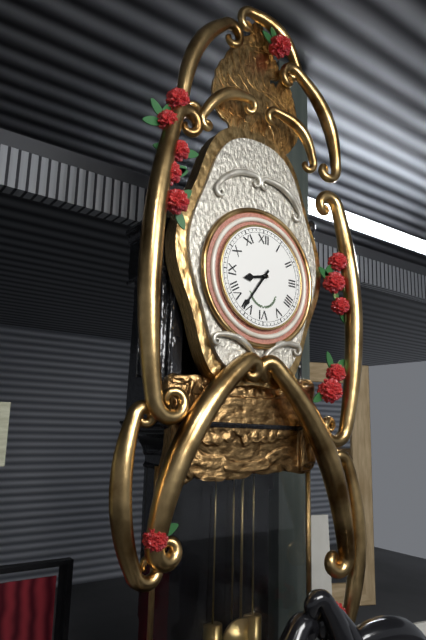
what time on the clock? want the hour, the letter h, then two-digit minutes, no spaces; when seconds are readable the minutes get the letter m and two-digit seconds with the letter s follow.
8h36
